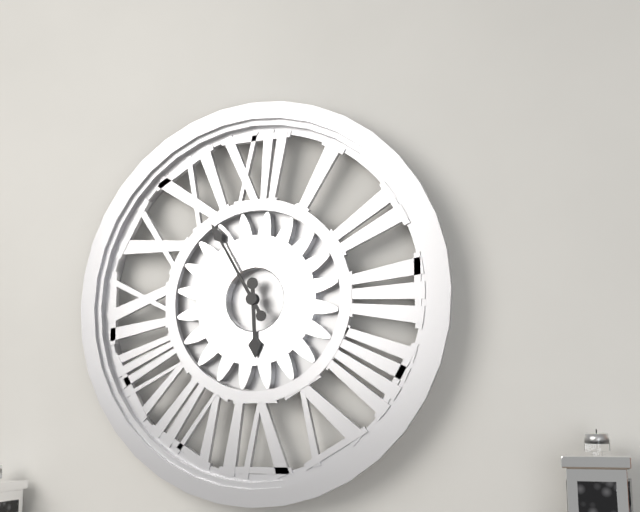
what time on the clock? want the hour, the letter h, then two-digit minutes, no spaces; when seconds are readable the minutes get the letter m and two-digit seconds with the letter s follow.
5h55
